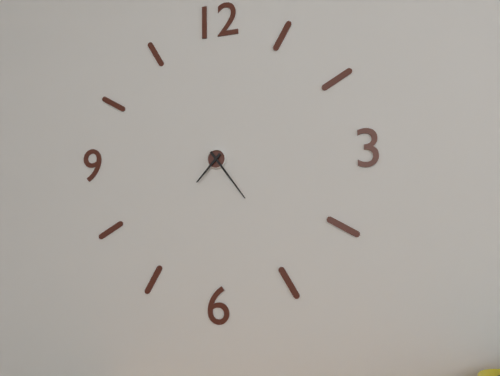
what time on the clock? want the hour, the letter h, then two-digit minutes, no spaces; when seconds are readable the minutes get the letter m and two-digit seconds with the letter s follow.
7h24
